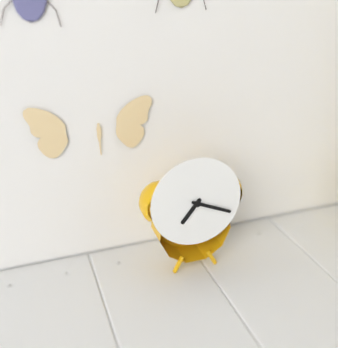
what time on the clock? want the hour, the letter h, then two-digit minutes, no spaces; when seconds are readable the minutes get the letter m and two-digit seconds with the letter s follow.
7h19
